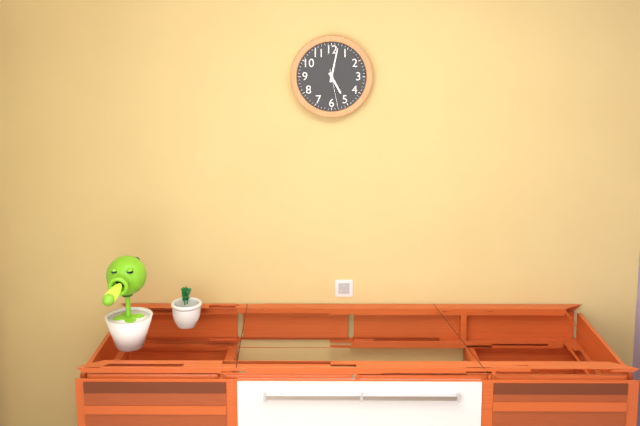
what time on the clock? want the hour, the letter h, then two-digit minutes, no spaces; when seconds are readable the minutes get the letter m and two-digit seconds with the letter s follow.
5h02
